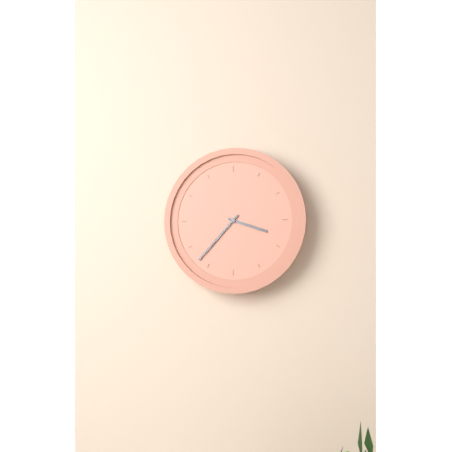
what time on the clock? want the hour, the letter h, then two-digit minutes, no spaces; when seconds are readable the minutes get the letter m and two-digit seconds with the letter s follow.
3h37
